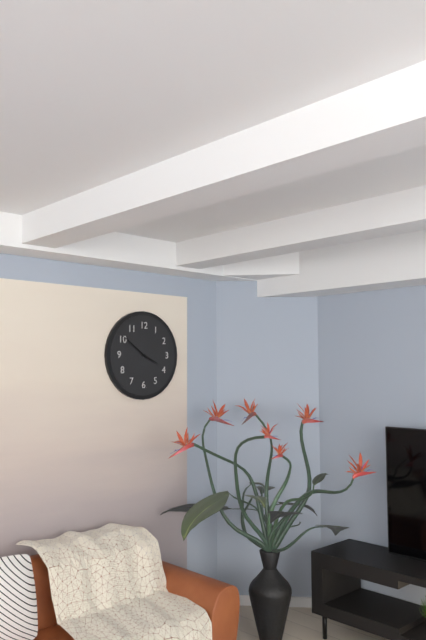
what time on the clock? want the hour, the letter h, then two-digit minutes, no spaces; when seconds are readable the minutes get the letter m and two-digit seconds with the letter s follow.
3h51
